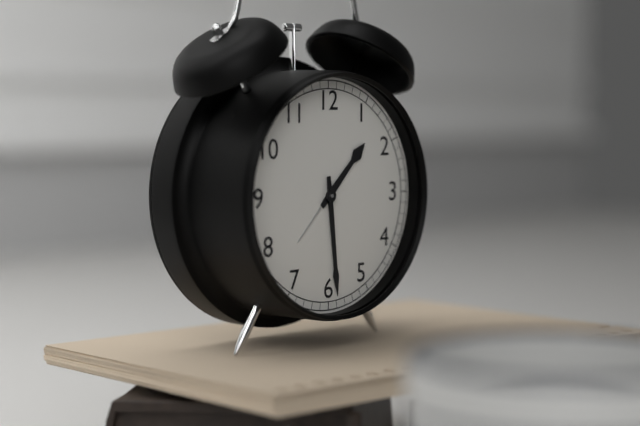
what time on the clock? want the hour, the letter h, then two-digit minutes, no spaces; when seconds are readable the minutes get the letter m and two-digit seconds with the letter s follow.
1h29
